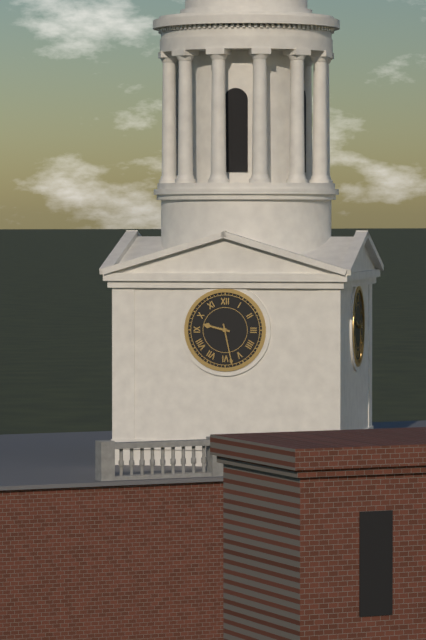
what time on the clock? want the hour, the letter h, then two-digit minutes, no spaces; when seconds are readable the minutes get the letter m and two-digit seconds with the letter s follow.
9h28
